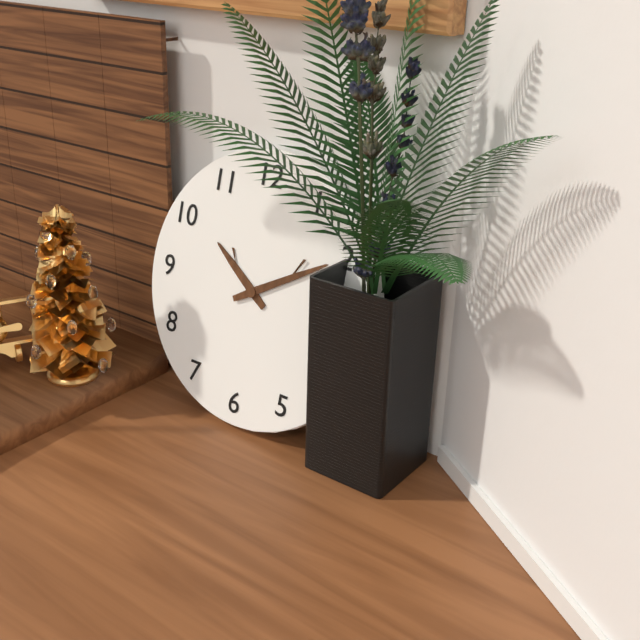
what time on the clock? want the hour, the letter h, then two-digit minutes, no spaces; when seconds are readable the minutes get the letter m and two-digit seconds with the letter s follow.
10h10
